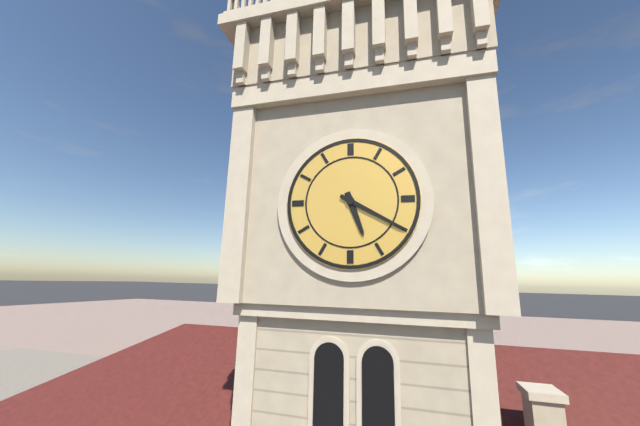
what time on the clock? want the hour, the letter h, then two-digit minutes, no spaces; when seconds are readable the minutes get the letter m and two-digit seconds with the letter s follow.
5h20
